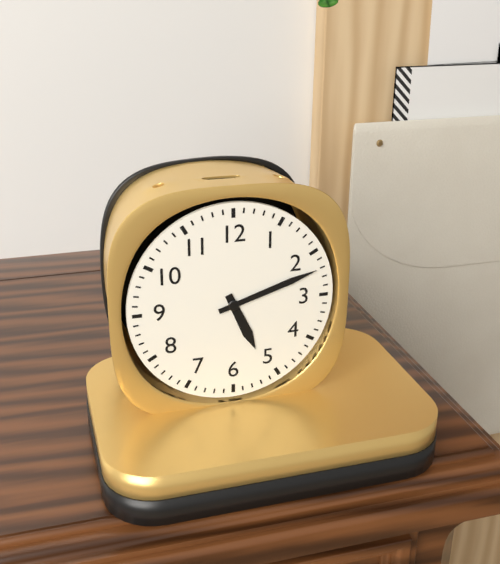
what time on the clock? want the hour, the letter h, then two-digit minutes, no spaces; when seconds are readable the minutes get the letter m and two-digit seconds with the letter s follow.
5h12
